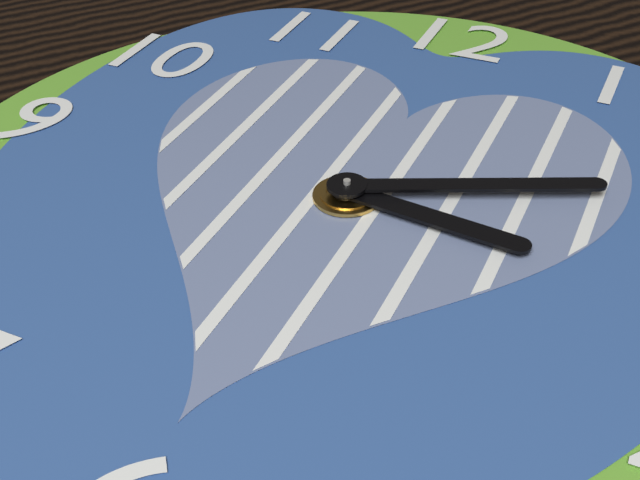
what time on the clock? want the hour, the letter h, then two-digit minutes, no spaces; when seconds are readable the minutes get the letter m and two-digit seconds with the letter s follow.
3h11
